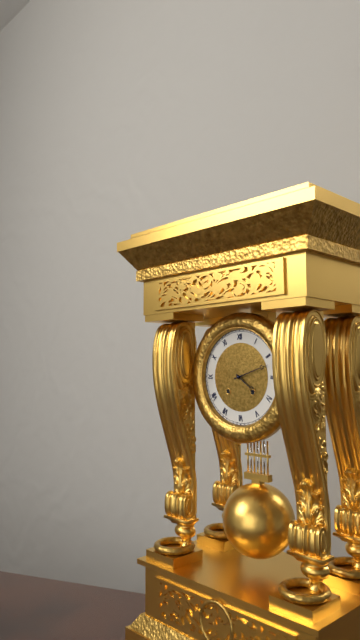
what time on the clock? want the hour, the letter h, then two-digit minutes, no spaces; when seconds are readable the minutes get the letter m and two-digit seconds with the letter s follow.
4h12
